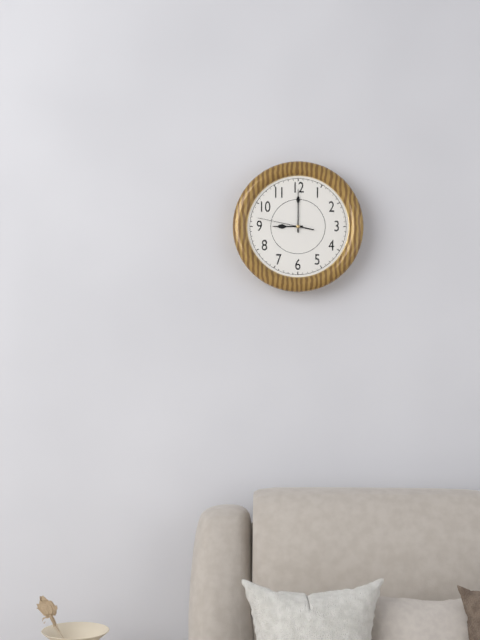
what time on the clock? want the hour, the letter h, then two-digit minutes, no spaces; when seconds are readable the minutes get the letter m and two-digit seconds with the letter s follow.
9h00m47s
